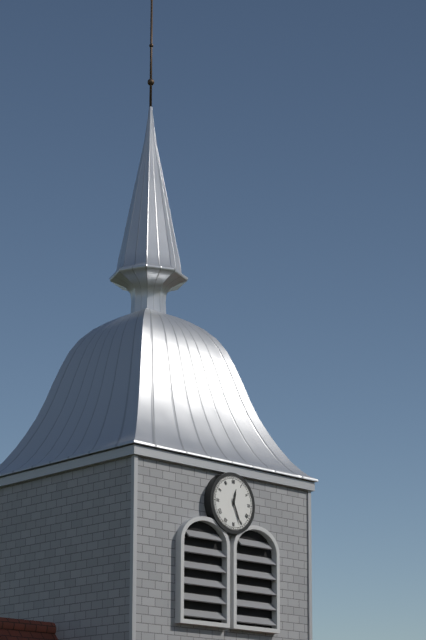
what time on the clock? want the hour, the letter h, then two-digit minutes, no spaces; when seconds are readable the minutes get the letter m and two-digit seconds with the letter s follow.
12h26
